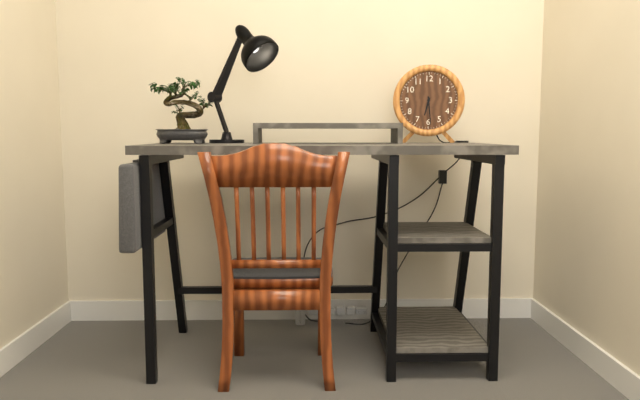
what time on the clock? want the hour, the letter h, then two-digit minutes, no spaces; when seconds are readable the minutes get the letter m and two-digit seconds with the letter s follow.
6h29
